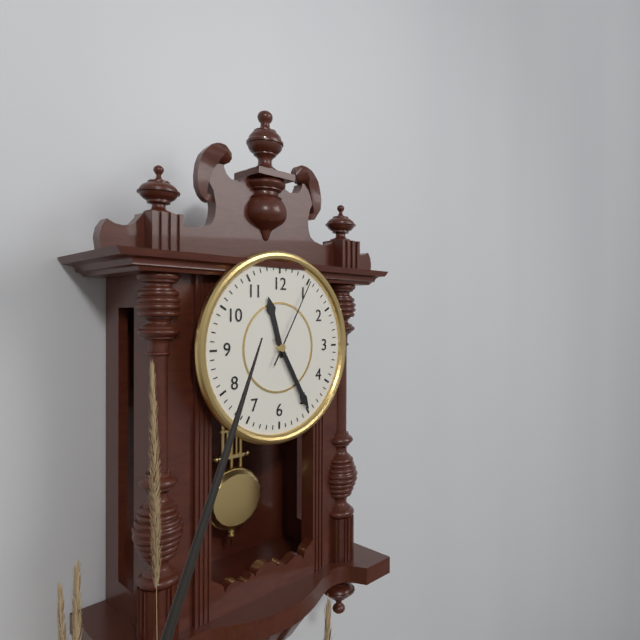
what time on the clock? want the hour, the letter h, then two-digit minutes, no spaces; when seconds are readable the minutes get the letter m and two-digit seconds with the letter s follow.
11h25m05s
